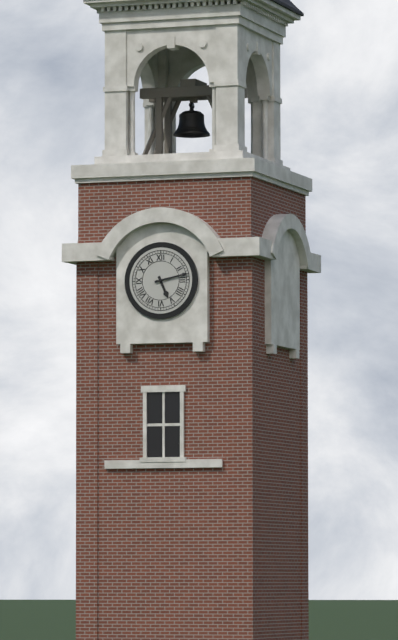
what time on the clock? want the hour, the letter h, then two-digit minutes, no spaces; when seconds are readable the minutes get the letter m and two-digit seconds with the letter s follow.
5h13
